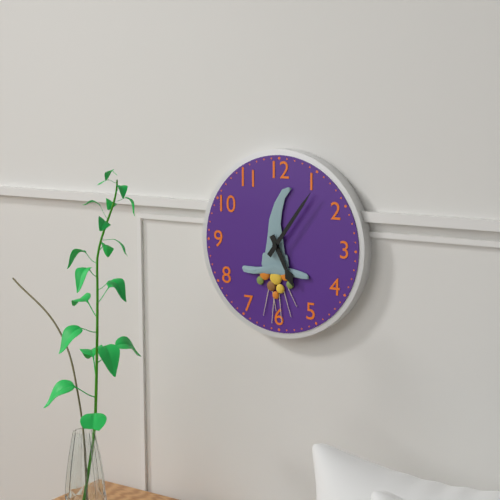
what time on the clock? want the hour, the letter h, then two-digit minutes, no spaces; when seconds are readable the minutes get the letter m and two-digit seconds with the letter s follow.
5h06
